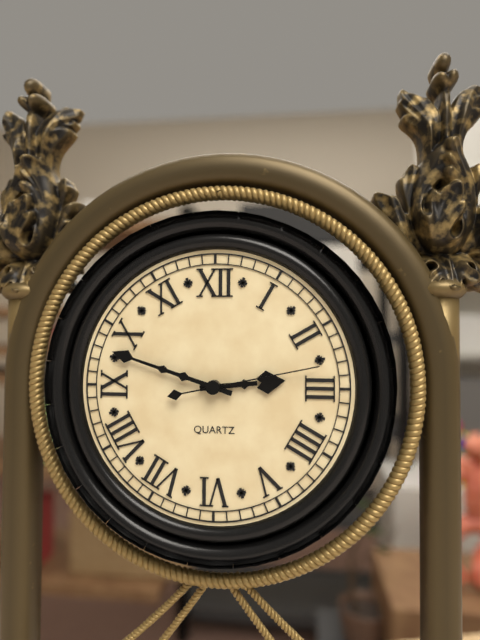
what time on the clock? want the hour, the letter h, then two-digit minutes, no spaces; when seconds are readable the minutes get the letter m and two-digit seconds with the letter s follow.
2h48m13s
